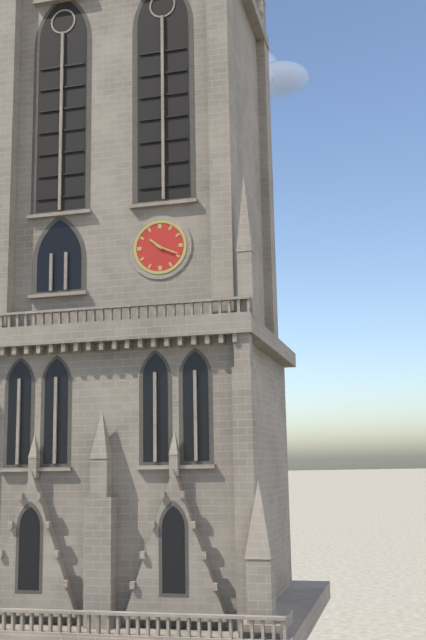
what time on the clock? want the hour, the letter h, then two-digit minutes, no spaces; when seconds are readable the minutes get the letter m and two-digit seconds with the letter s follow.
10h19
